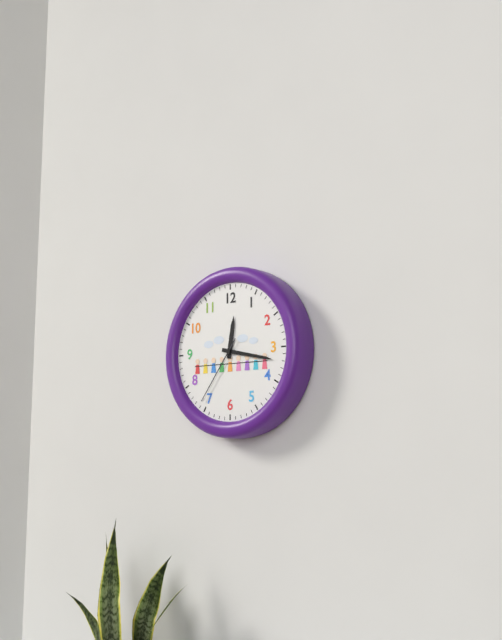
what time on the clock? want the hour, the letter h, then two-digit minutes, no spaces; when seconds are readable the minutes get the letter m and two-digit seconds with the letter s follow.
12h17m36s
